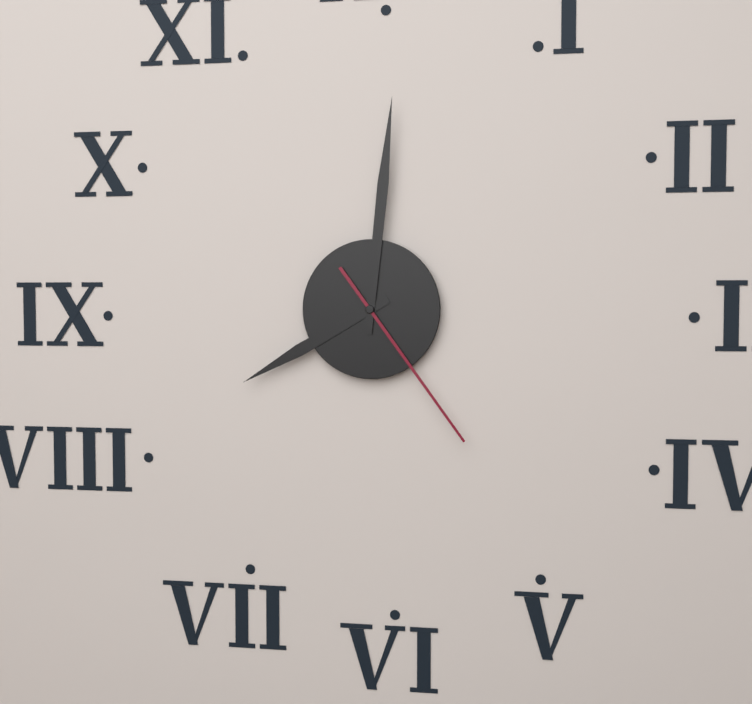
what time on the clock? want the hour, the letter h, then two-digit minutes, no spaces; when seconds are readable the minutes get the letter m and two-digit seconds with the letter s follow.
8h01m24s
